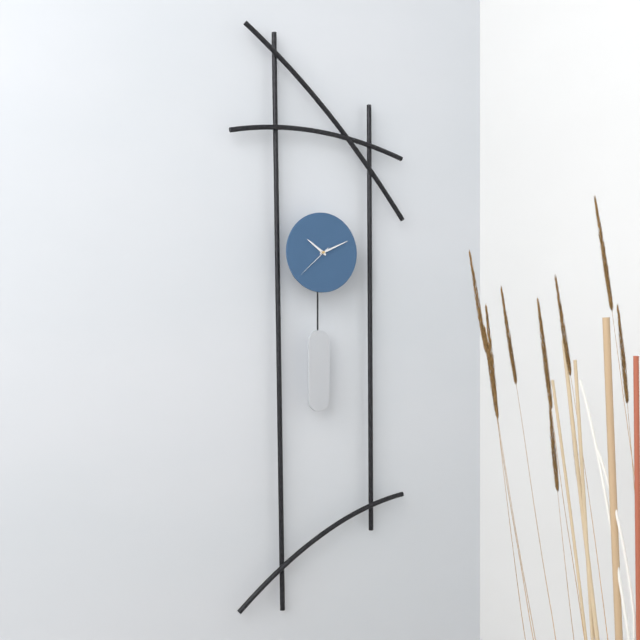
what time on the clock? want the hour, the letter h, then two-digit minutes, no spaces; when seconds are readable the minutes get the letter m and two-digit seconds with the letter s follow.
10h11
